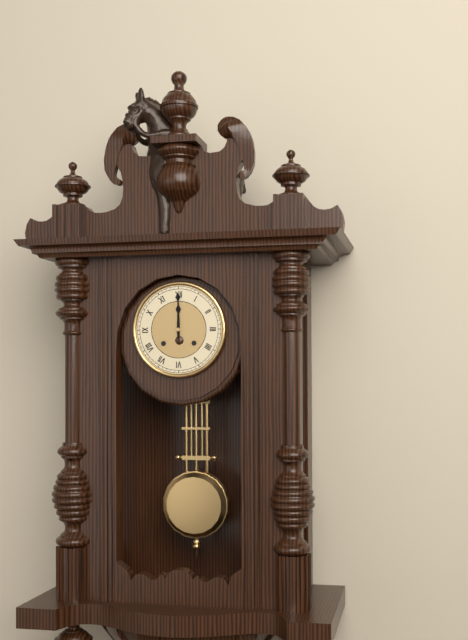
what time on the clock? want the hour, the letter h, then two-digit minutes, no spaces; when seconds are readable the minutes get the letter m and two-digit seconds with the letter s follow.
12h00
